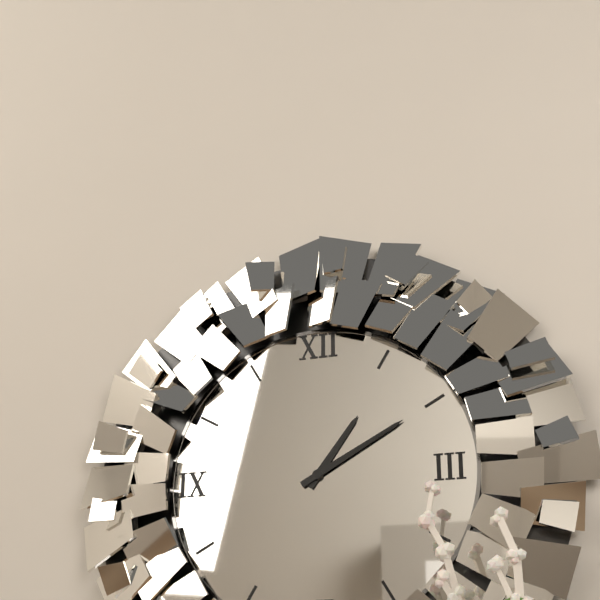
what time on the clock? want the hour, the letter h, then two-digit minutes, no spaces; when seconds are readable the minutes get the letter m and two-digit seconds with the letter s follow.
1h10
